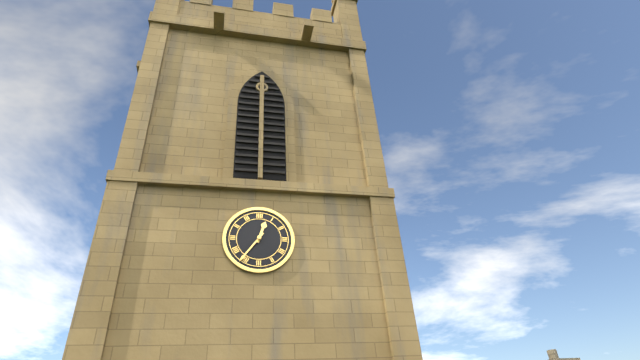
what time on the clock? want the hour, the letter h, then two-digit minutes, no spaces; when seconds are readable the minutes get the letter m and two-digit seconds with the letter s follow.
12h36
